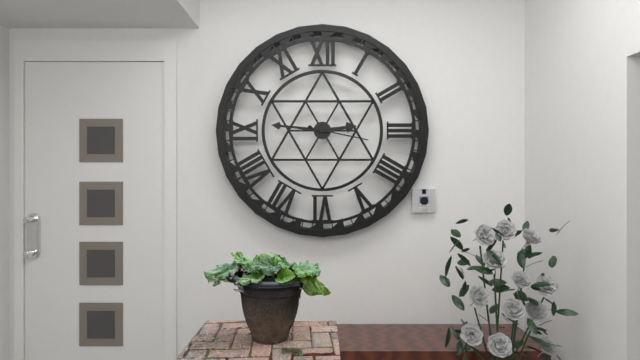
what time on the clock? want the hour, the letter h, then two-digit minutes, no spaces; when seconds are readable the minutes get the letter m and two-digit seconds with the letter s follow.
2h46m17s
